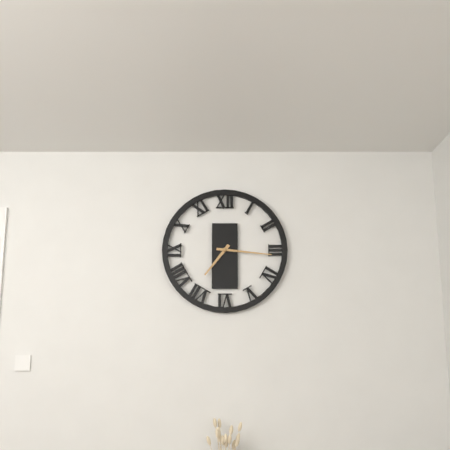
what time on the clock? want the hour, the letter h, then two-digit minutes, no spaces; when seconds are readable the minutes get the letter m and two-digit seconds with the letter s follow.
7h16
